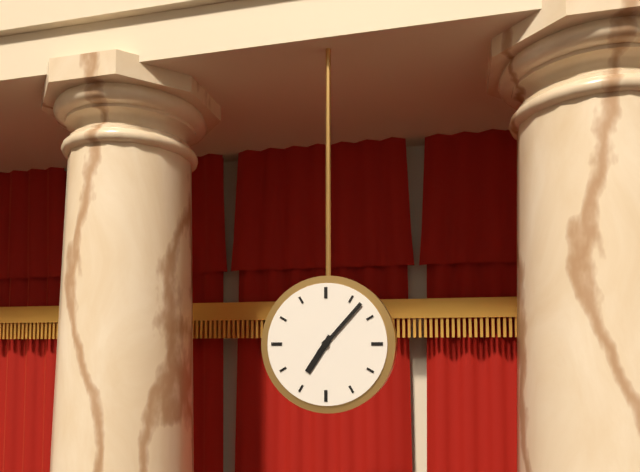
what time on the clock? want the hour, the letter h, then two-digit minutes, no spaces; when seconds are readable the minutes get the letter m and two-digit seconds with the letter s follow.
7h07
